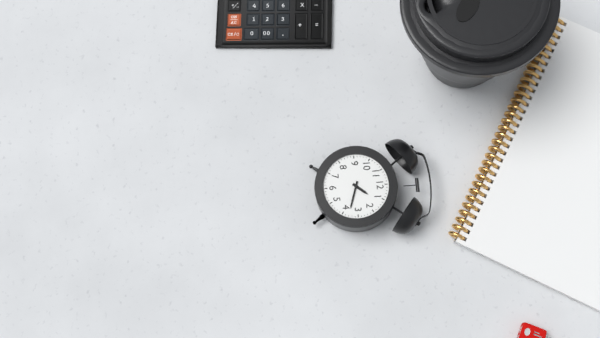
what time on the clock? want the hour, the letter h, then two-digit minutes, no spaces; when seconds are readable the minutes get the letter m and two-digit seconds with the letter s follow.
1h18
